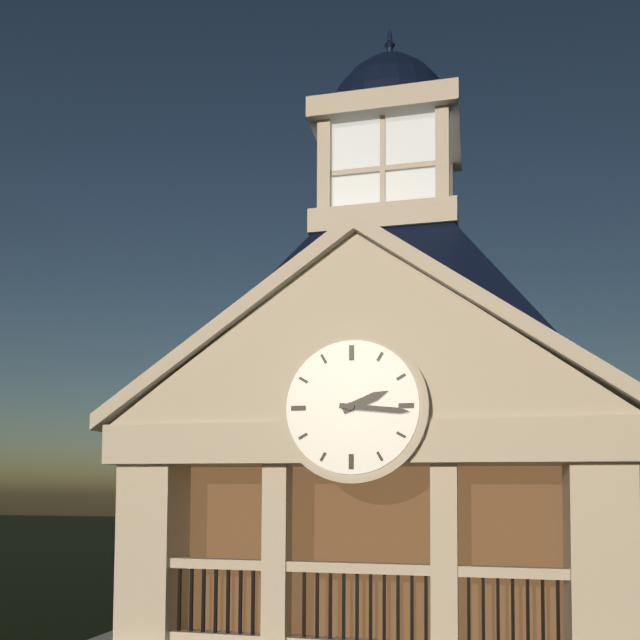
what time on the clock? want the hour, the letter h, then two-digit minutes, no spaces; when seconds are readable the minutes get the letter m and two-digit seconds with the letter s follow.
2h16
